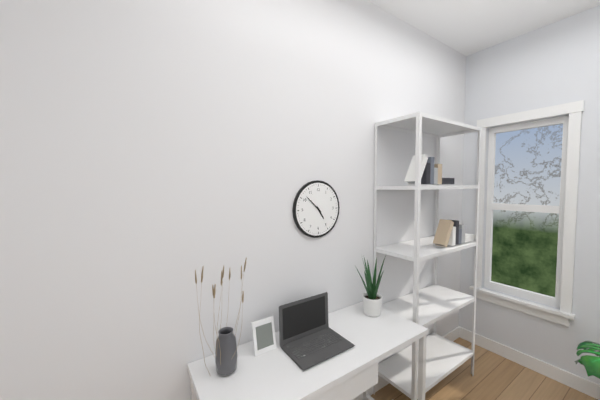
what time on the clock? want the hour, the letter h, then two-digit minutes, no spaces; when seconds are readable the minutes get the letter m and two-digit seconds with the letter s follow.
4h52
